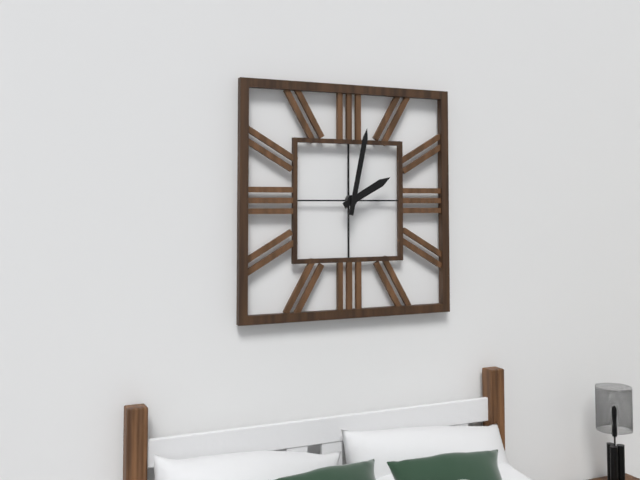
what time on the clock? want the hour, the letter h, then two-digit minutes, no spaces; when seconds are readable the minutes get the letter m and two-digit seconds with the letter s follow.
2h02
